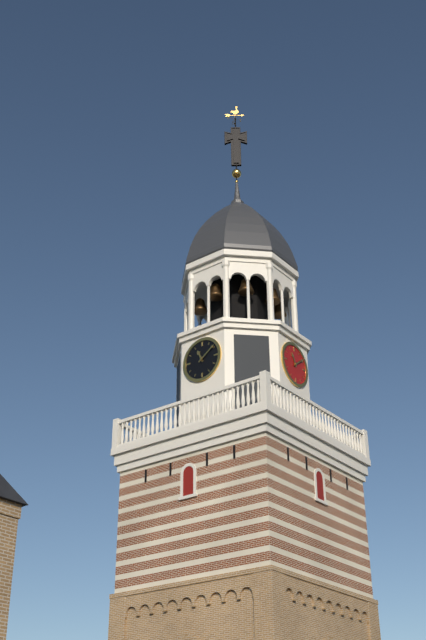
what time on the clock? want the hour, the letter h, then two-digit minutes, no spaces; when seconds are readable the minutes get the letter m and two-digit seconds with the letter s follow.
11h09
